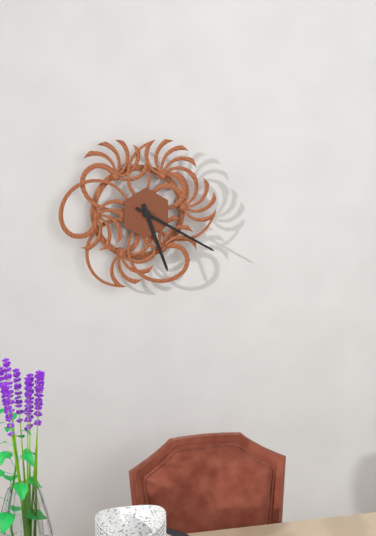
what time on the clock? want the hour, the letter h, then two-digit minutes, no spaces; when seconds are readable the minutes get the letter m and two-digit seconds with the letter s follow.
5h20
